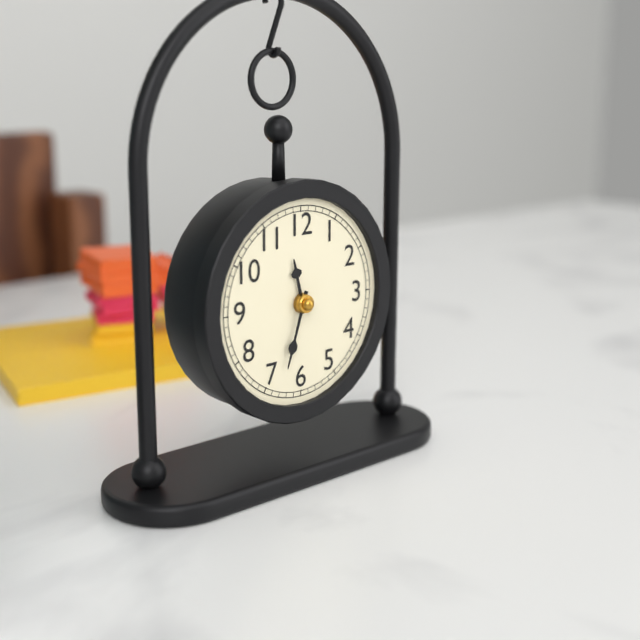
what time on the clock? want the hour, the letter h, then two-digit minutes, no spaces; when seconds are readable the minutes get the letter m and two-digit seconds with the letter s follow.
11h33
